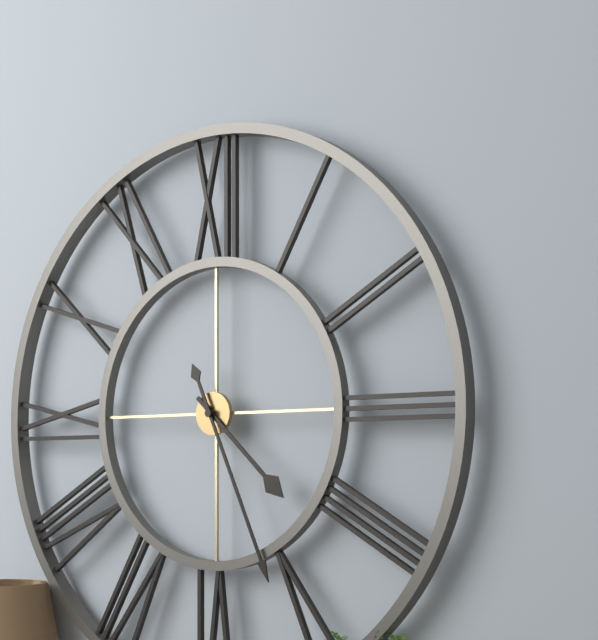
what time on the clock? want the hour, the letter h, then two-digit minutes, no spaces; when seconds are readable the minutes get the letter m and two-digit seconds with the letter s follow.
4h26
